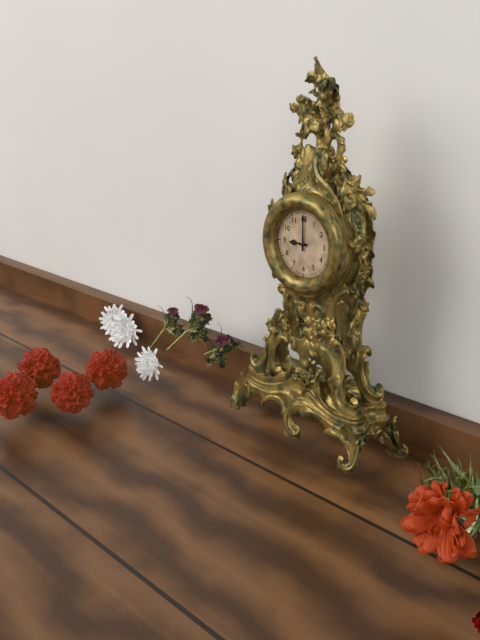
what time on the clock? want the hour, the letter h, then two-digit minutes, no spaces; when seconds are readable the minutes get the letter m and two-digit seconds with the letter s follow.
9h00
